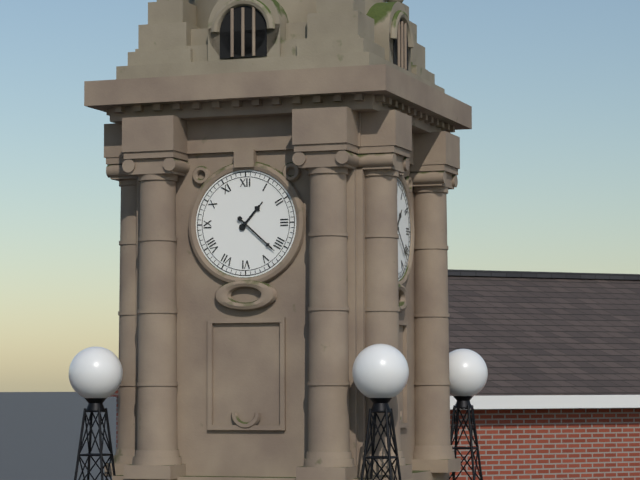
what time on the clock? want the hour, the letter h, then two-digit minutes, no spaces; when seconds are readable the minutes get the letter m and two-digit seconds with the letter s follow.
1h22
